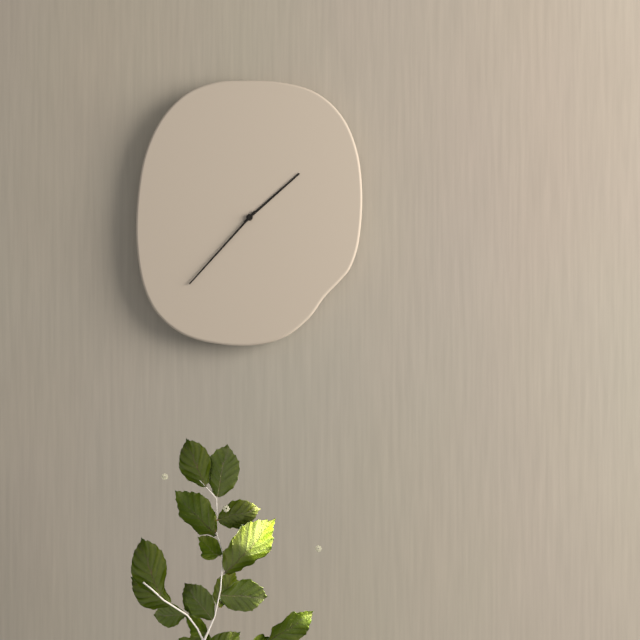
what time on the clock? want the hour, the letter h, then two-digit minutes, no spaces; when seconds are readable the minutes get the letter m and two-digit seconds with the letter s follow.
1h37
